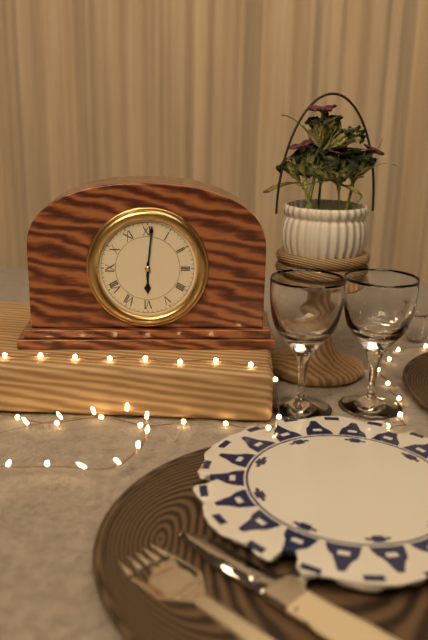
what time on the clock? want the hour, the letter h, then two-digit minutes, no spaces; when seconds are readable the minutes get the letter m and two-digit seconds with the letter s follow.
6h01
